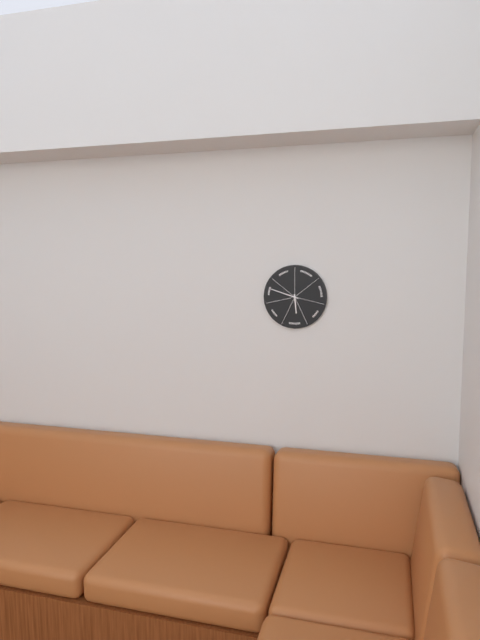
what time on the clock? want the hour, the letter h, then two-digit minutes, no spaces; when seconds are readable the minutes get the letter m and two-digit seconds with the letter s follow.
5h48
